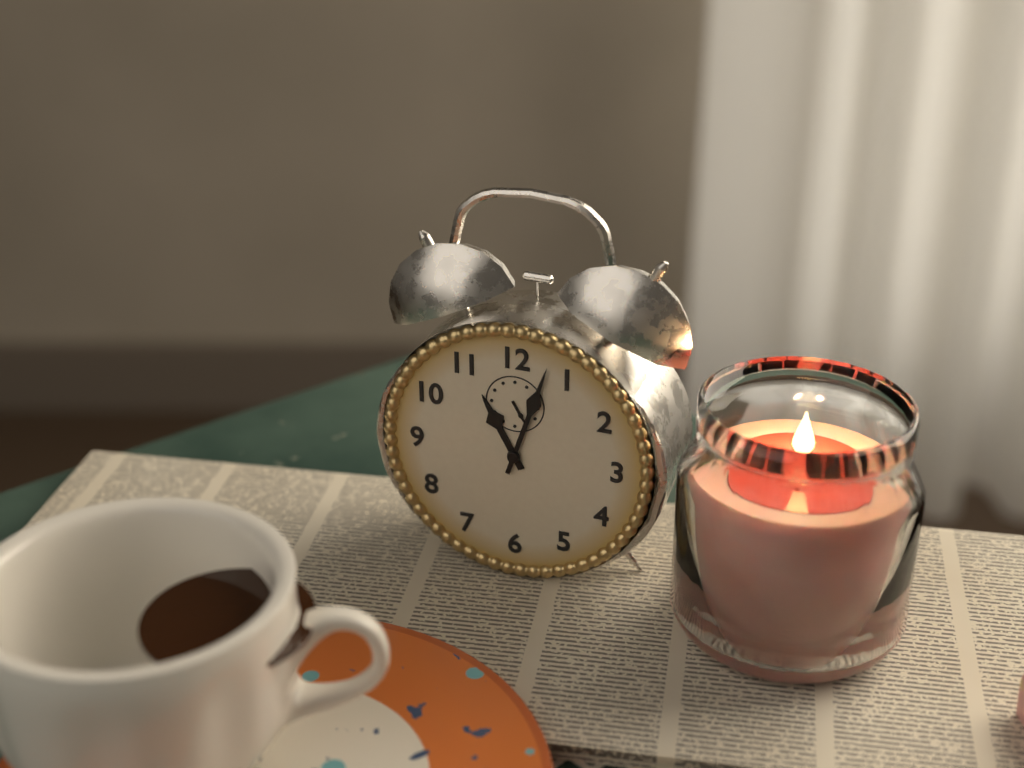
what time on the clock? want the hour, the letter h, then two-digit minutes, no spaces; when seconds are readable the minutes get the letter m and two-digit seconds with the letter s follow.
11h03
